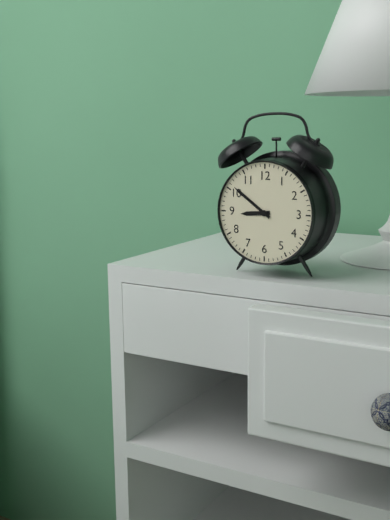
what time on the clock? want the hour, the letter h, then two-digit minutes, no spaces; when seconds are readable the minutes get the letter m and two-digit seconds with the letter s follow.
8h51
